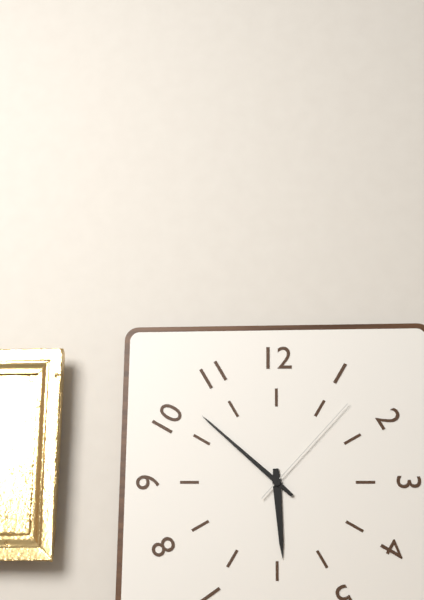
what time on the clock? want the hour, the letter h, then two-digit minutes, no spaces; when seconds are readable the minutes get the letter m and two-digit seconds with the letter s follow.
5h52m07s
